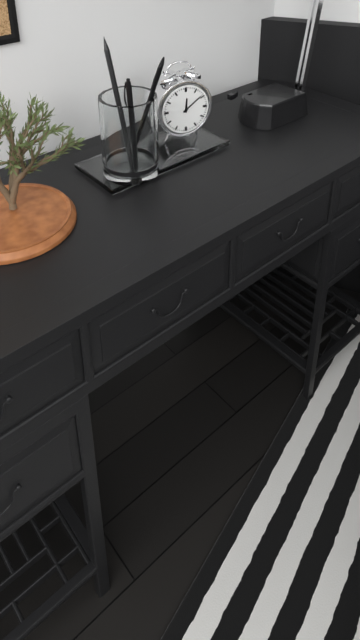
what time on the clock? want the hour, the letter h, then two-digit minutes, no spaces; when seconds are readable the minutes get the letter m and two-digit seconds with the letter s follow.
12h09
